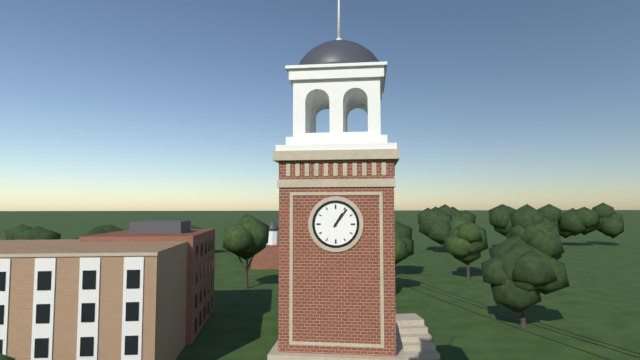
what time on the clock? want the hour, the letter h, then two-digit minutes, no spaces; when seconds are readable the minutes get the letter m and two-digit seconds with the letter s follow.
1h06
